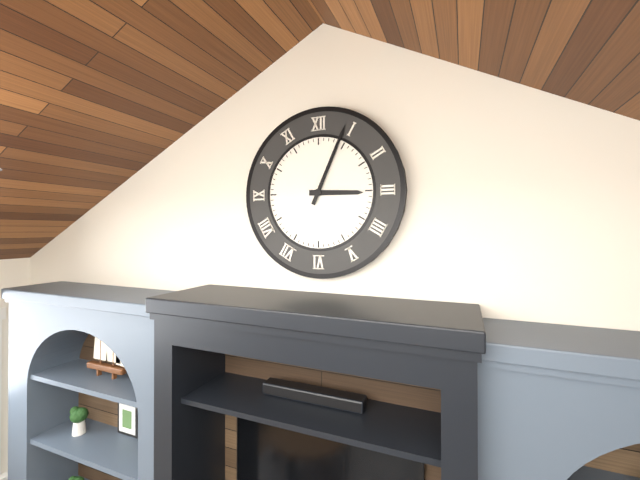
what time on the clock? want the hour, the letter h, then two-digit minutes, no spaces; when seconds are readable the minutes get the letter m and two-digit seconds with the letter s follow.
3h04
